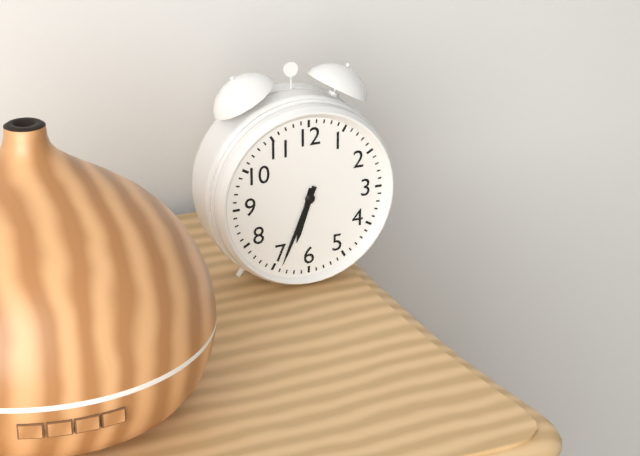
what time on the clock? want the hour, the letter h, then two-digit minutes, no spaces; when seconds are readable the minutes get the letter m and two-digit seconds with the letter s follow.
6h34
